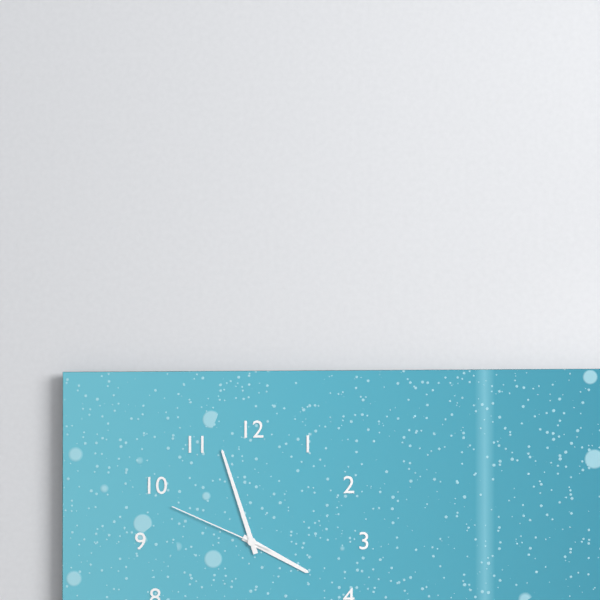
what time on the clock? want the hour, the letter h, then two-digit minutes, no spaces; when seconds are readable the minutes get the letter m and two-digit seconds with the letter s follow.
3h57m49s
